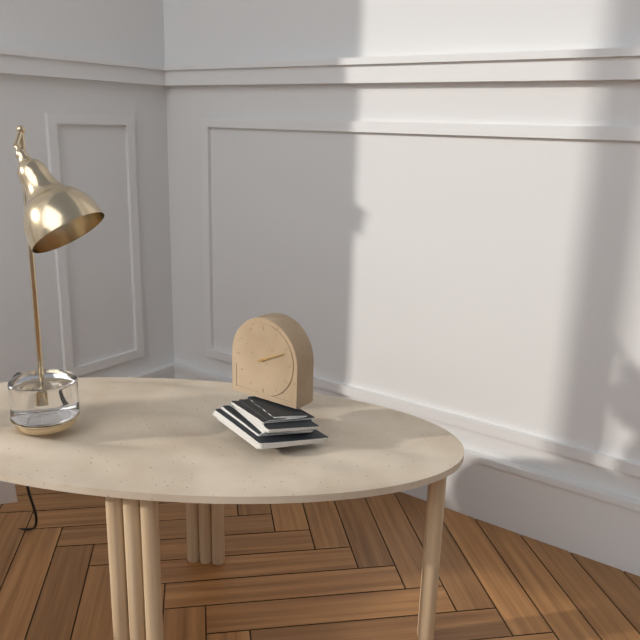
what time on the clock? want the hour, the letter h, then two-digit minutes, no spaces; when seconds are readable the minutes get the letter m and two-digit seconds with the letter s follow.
2h11
